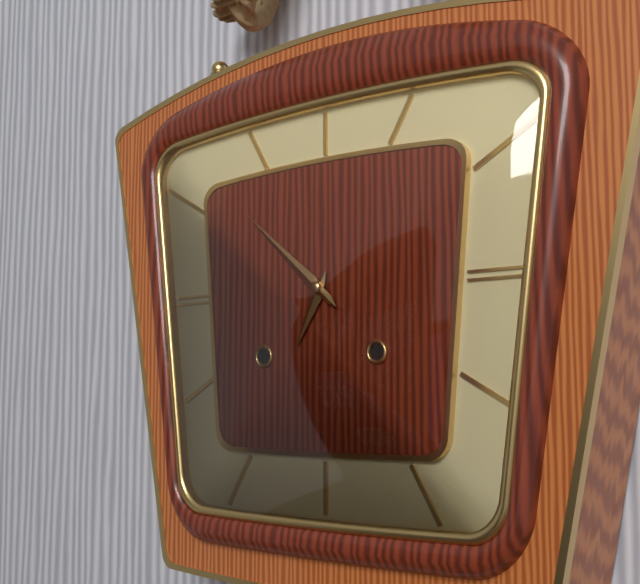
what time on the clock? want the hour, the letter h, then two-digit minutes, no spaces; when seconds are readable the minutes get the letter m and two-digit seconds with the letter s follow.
6h52
